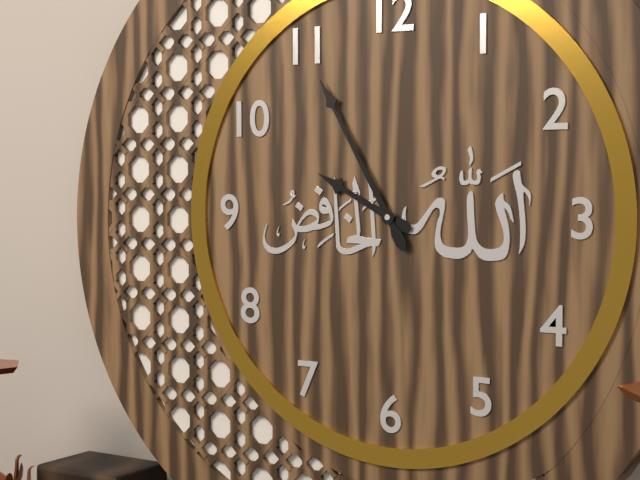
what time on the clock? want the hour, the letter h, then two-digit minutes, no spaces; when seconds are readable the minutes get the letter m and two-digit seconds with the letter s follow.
9h55
